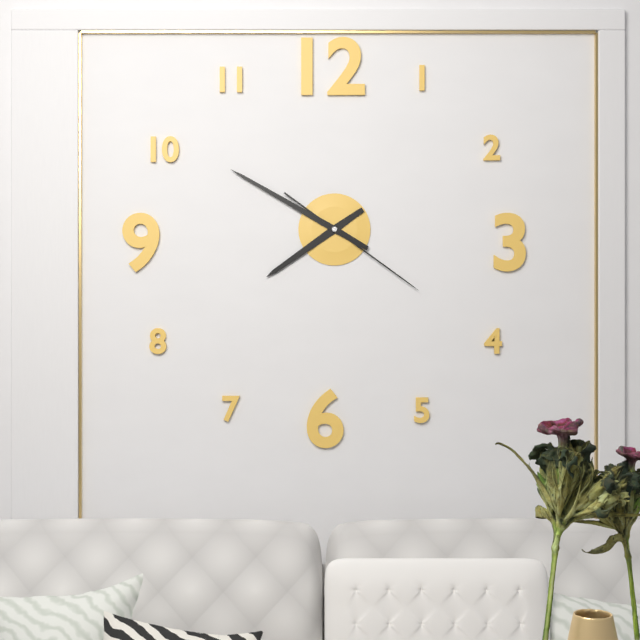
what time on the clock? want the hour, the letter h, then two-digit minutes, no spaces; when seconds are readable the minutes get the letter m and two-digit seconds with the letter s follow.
7h50m21s
